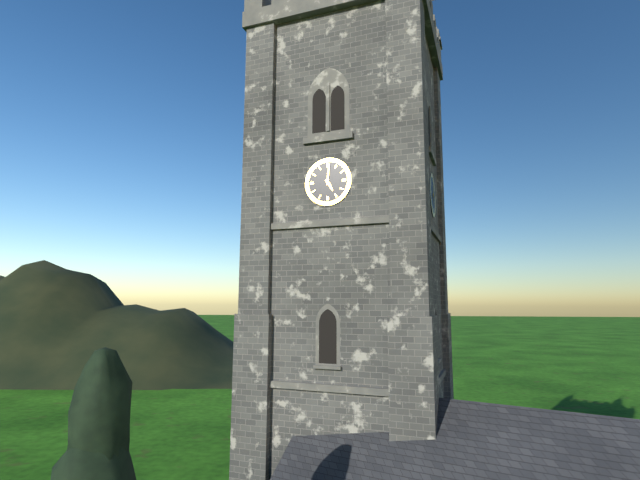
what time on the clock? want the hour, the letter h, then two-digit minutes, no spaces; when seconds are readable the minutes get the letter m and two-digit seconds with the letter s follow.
5h01
